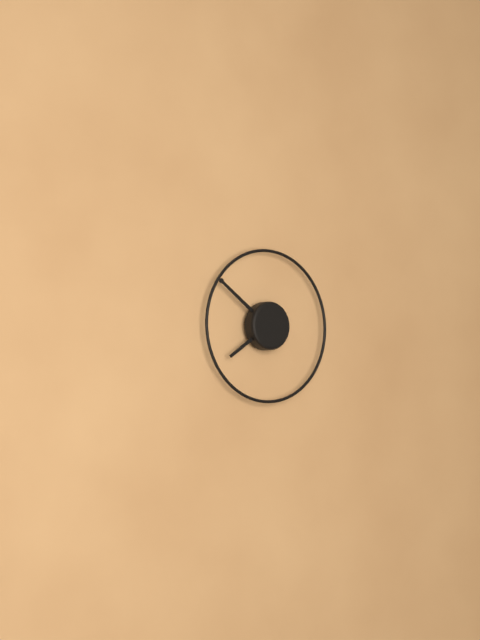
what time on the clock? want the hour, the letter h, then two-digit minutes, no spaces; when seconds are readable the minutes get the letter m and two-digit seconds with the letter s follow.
7h51
